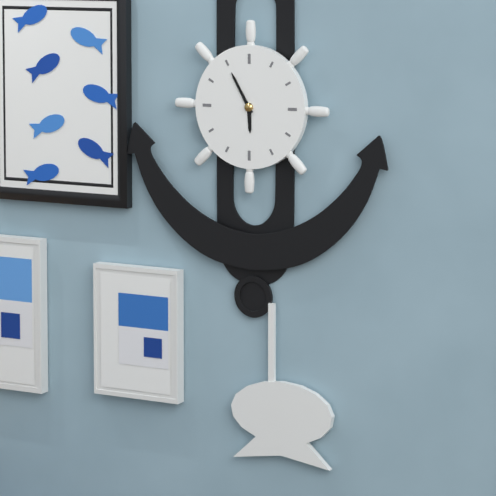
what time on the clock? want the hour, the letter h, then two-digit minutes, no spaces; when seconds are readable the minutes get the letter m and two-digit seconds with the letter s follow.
5h55
